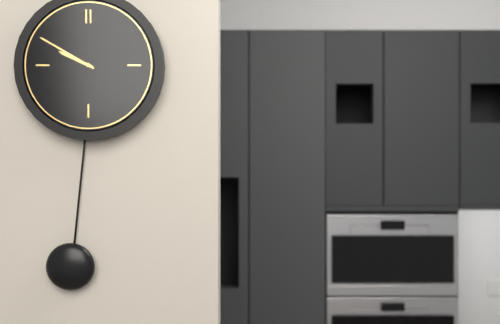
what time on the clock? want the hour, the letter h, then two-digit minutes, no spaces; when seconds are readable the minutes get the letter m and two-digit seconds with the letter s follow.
9h50
